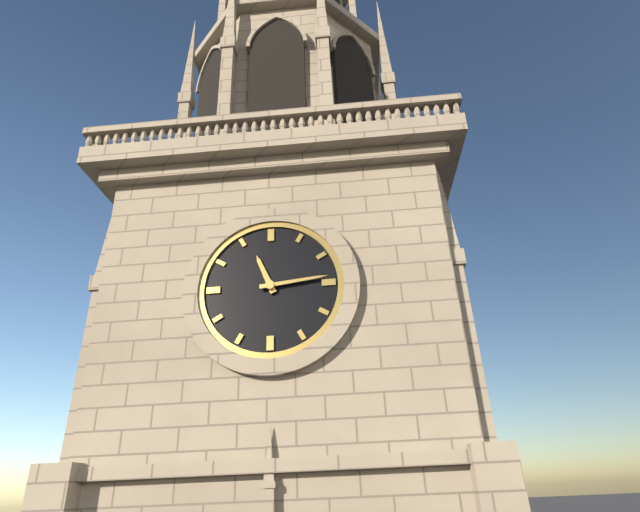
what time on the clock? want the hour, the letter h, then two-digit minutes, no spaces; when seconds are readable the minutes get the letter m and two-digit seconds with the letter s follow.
11h14
